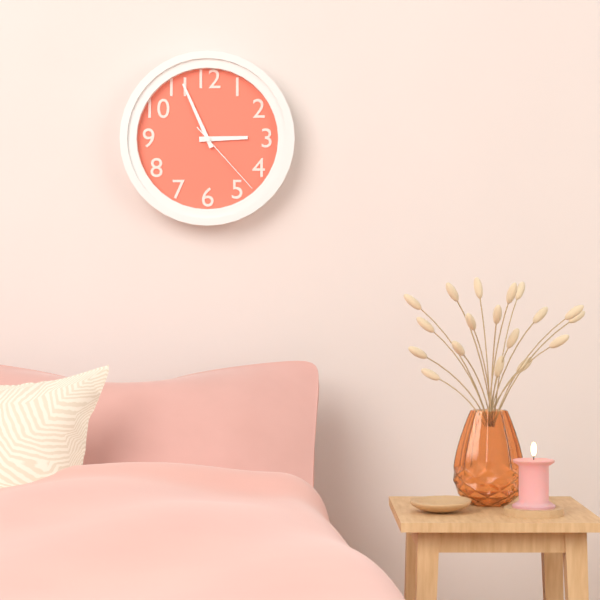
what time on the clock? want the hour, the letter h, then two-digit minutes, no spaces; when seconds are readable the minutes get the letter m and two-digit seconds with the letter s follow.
2h56m23s
